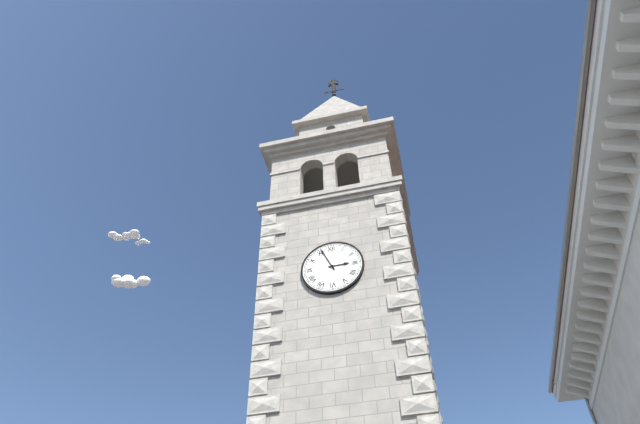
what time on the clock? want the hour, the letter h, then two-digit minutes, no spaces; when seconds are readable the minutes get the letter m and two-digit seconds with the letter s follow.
2h56
